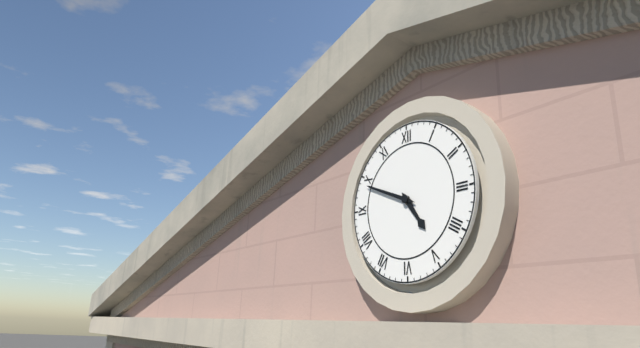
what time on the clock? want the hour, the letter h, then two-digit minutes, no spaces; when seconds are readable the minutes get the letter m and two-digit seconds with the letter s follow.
4h49
